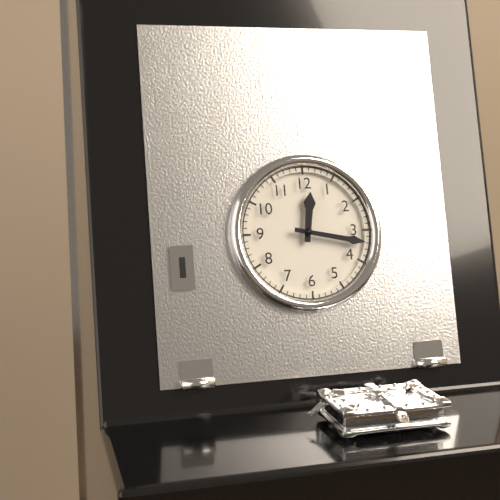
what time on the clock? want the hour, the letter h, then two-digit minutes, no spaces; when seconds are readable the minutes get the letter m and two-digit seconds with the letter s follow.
12h17
